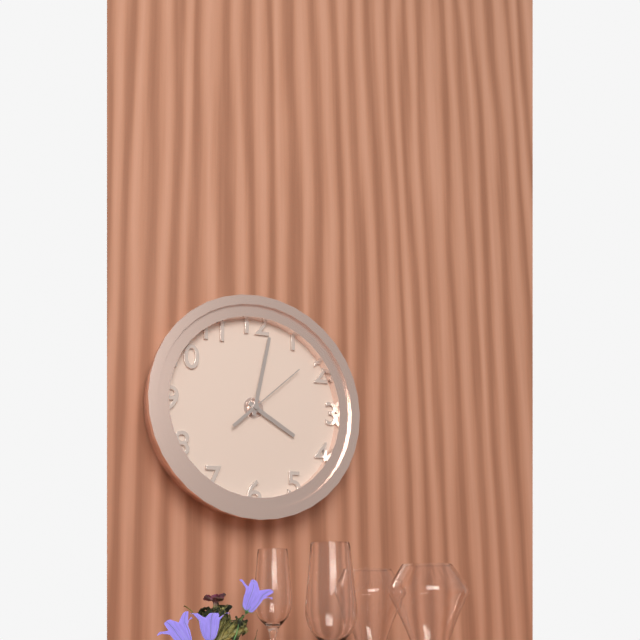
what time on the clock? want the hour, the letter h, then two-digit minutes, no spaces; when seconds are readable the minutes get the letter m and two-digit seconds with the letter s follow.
4h02m08s
